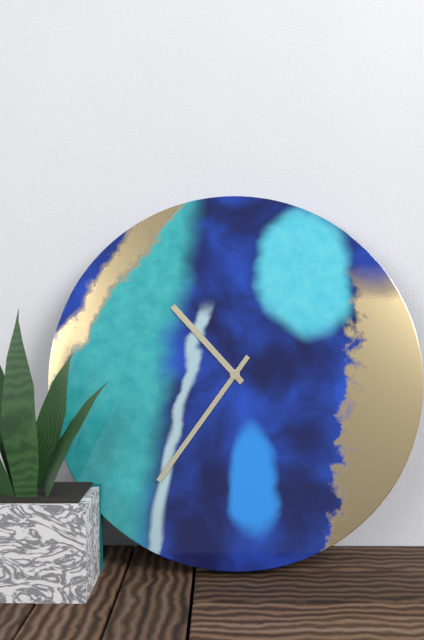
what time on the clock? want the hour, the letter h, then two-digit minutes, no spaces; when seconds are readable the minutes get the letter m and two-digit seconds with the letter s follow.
10h36
